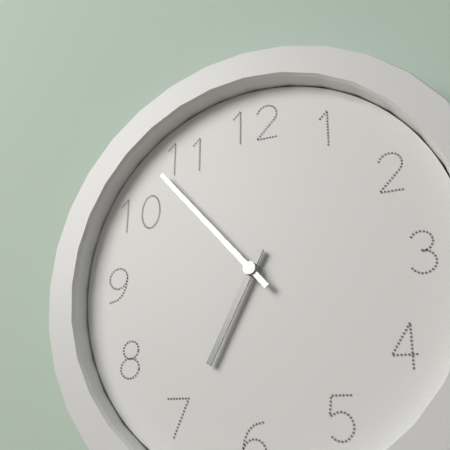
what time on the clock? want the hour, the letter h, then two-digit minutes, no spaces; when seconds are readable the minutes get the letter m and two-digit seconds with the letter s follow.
6h53
